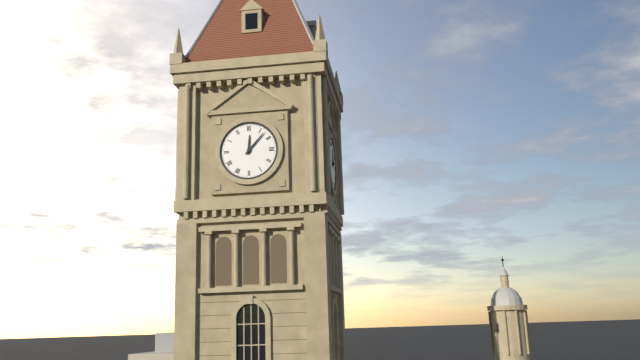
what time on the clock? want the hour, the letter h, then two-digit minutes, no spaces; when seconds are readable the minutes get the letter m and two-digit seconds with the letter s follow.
12h07
